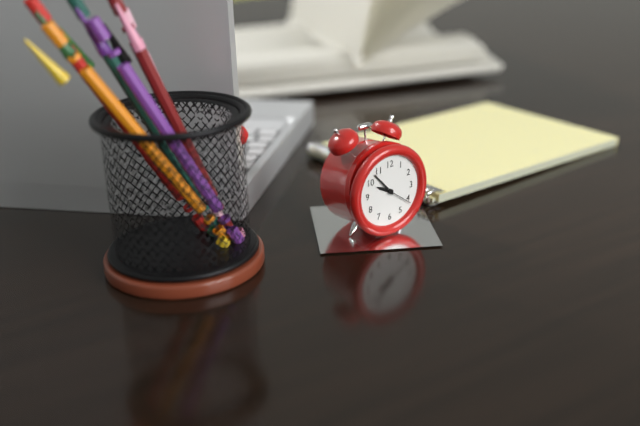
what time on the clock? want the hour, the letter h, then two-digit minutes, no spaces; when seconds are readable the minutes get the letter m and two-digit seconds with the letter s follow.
9h53
